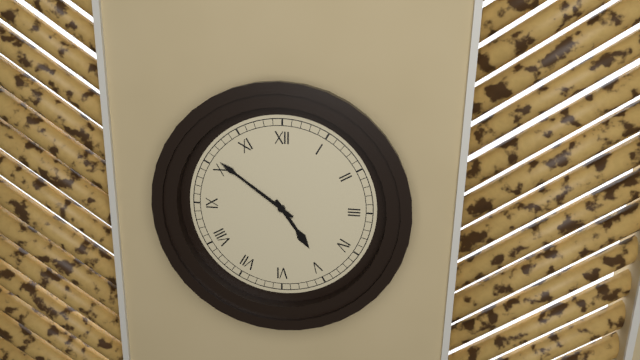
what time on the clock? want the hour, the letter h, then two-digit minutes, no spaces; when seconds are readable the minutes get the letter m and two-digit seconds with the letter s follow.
4h51
